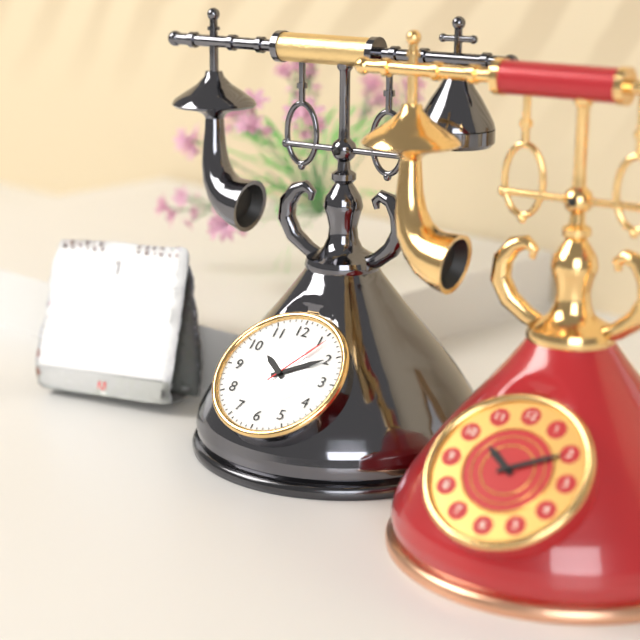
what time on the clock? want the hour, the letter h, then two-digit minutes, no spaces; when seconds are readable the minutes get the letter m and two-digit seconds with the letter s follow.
10h10m06s
